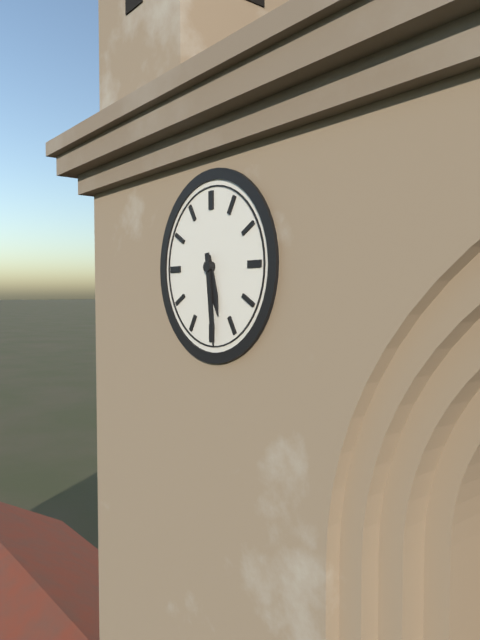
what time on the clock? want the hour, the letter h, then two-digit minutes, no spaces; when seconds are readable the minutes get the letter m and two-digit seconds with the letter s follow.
5h29
